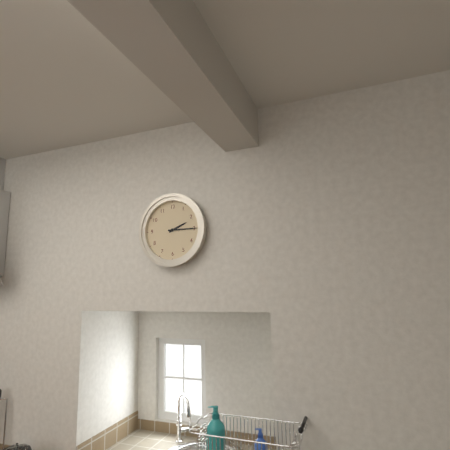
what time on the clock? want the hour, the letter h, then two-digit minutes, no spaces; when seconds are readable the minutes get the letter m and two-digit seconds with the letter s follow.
2h15
